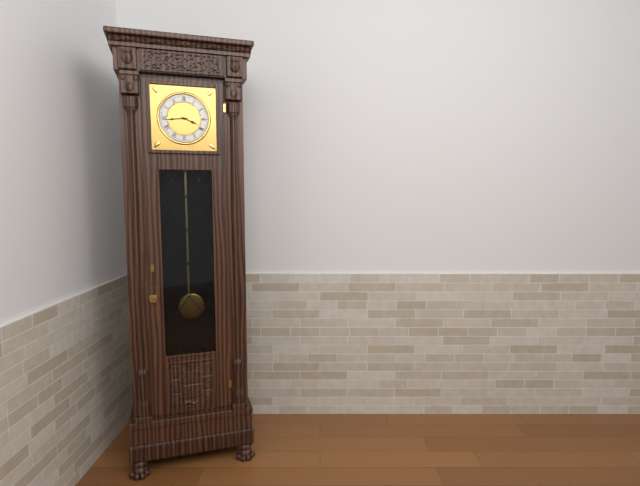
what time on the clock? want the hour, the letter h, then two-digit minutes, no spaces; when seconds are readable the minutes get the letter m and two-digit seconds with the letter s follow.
3h44
